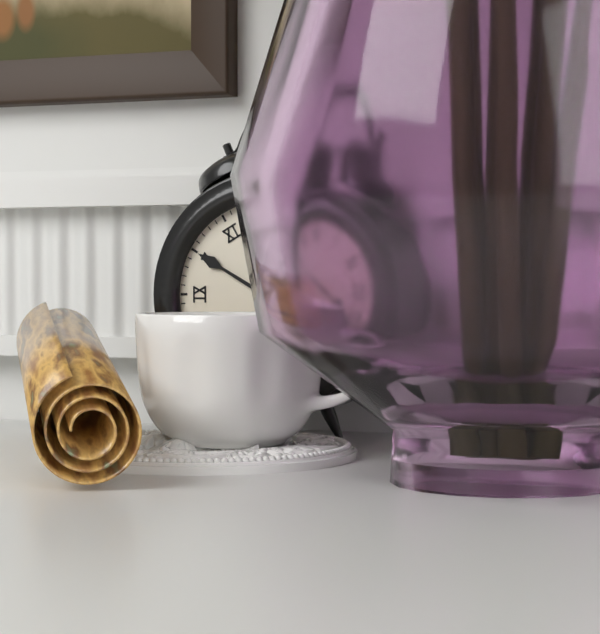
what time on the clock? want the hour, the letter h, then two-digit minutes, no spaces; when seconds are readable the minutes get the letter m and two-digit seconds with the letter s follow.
3h50
